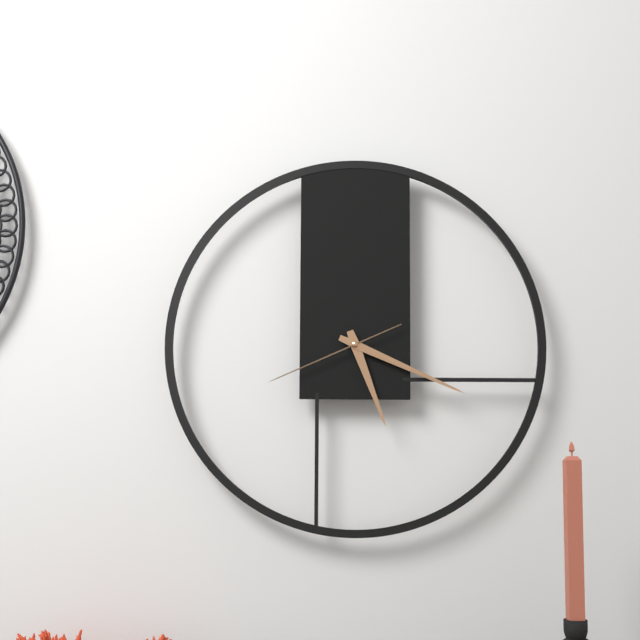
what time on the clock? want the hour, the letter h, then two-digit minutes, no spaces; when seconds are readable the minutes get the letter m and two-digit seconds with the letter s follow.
5h19m41s
